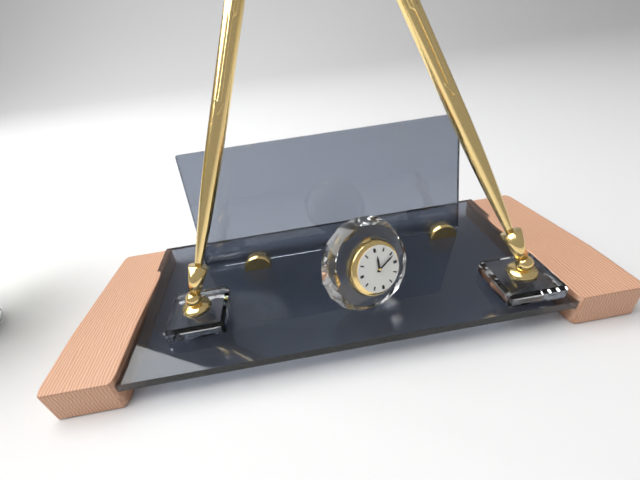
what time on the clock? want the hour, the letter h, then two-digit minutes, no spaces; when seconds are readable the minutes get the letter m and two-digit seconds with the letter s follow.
12h11
